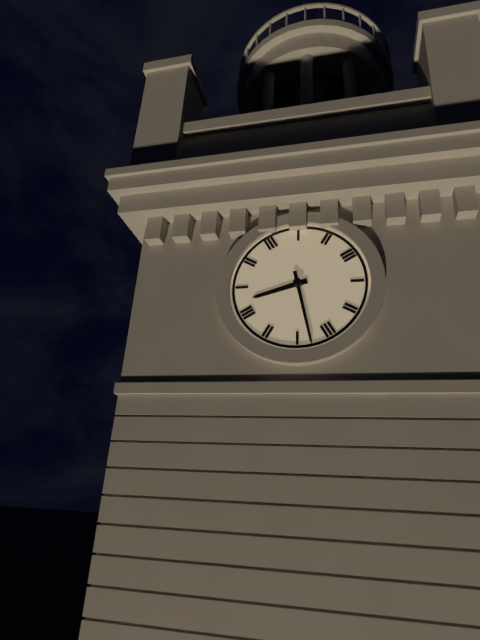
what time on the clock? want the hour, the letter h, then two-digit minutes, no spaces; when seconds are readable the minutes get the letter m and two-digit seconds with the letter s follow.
8h28
